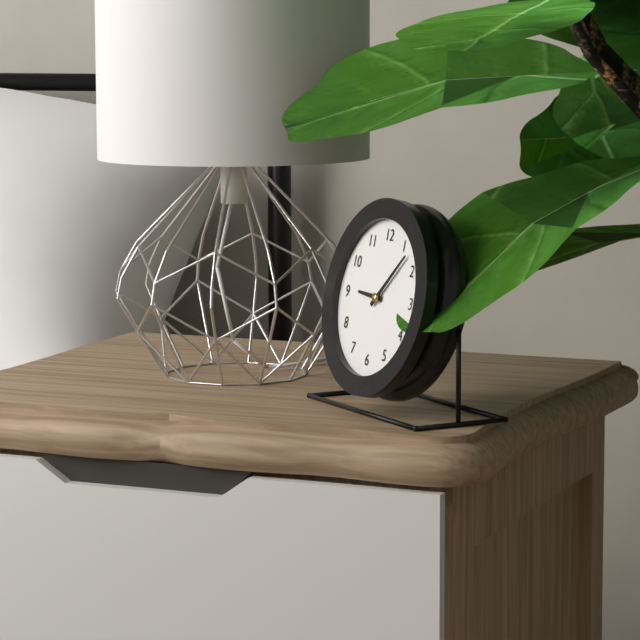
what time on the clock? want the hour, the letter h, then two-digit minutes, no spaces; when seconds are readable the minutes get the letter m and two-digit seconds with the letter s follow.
9h07
